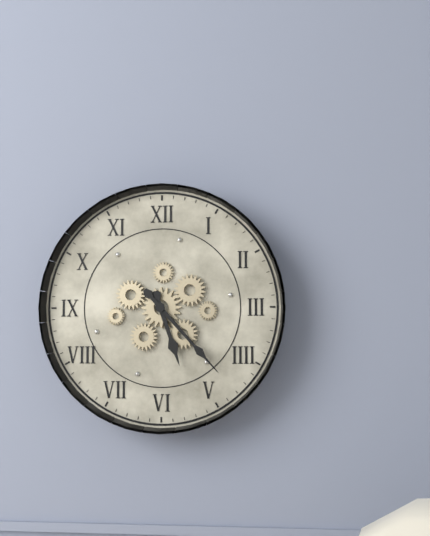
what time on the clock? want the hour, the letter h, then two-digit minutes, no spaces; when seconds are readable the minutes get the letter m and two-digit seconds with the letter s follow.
5h23
